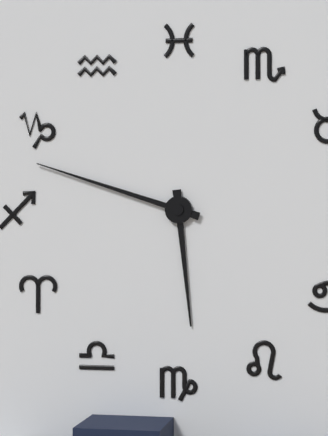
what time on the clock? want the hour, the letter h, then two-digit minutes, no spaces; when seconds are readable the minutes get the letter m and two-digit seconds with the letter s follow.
5h48
